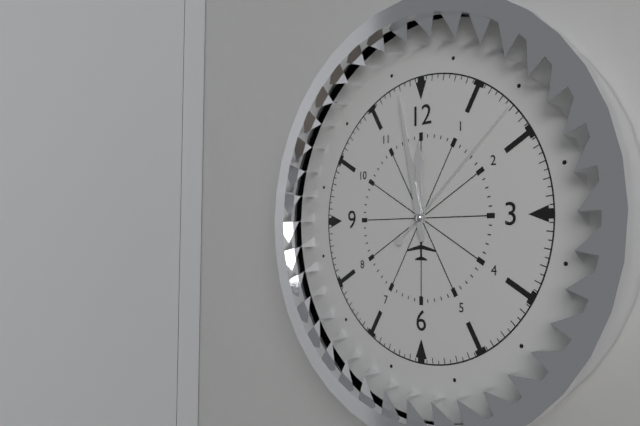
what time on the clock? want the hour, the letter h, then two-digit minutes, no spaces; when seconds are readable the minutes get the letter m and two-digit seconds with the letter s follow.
11h58m08s
